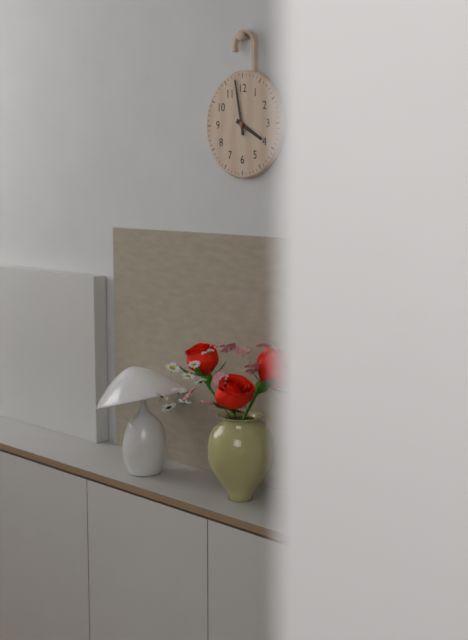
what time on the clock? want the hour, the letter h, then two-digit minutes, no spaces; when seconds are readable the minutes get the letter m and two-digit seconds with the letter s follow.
3h58
